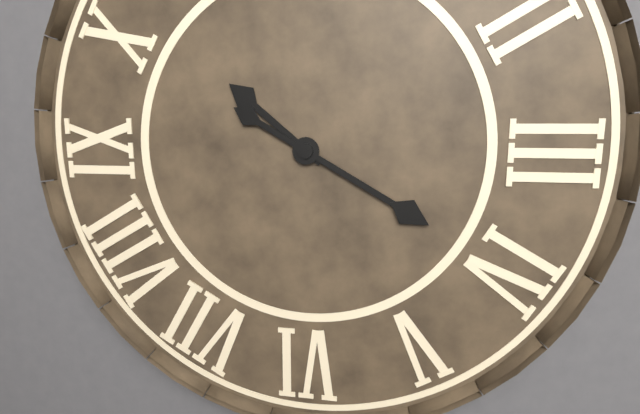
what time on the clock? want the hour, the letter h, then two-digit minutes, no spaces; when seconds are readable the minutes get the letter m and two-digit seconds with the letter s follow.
10h20
